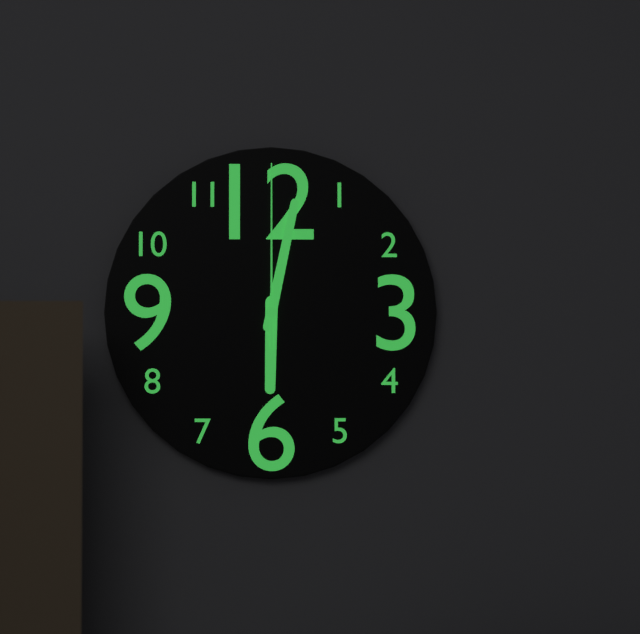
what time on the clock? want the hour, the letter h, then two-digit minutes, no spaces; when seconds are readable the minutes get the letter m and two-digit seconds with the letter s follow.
6h02m00s
